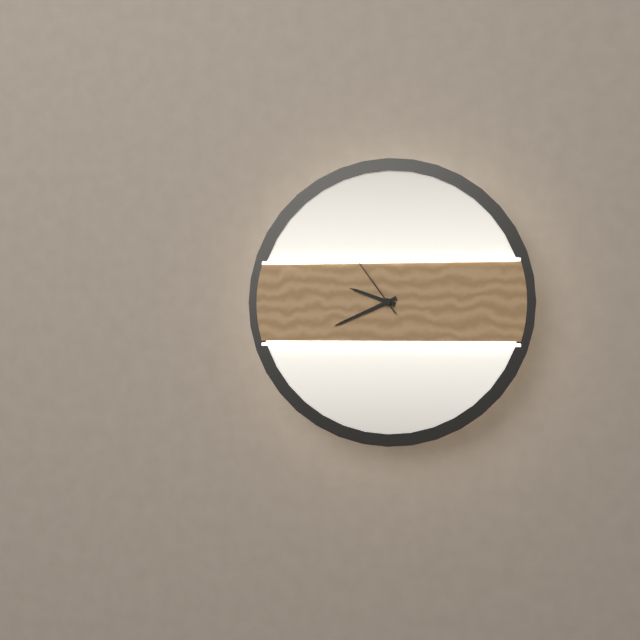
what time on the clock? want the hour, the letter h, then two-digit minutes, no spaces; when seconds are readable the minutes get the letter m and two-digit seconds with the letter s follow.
9h41m54s
